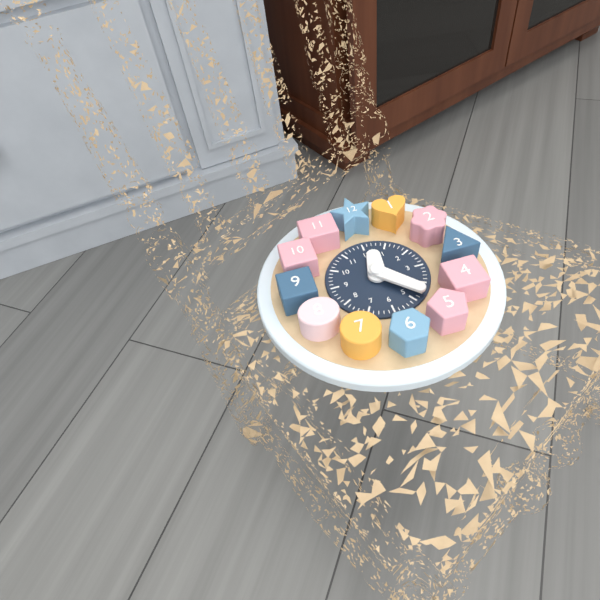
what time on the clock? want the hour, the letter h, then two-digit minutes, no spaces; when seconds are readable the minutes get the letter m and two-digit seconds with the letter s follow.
12h23
